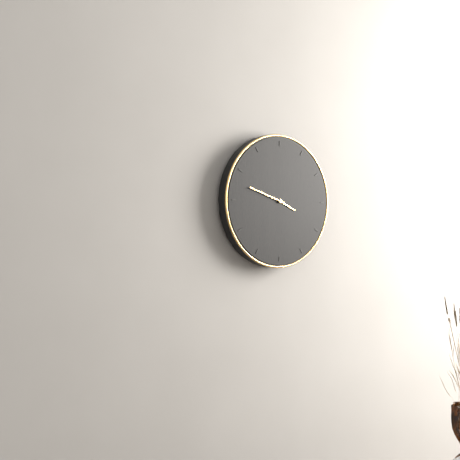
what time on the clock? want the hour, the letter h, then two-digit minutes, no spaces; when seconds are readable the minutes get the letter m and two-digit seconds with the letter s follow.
3h48
